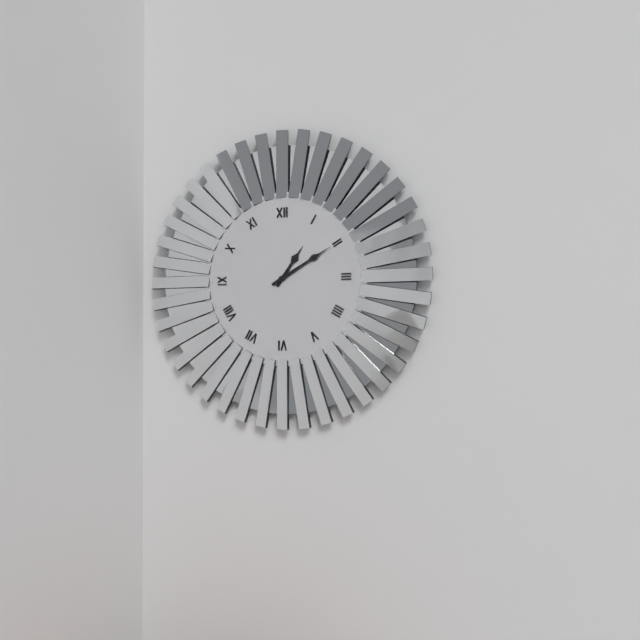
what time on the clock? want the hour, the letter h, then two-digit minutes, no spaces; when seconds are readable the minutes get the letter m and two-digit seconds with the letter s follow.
1h10
